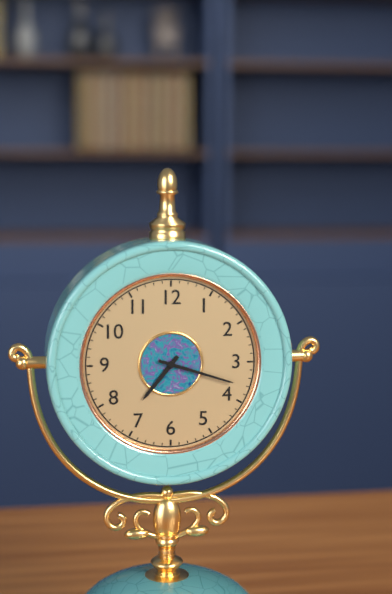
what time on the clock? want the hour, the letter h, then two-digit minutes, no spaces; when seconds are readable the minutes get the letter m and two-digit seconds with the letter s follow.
7h18
